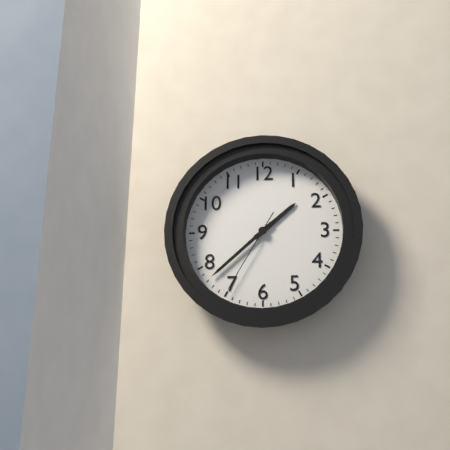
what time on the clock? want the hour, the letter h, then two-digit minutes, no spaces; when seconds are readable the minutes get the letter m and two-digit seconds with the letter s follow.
1h38m35s
